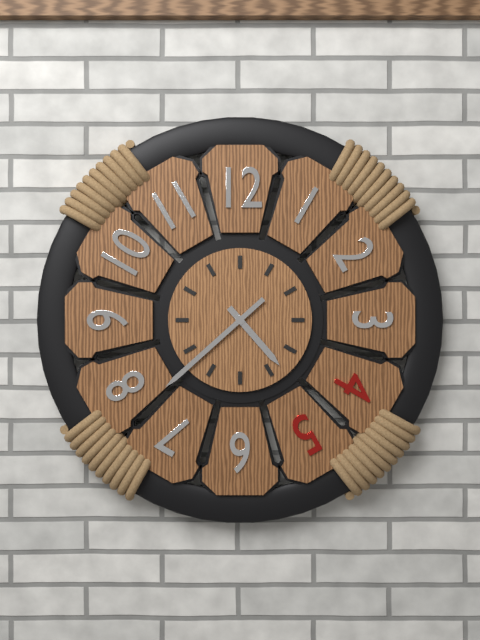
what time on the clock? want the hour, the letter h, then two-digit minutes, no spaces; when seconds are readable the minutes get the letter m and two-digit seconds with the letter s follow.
4h38
